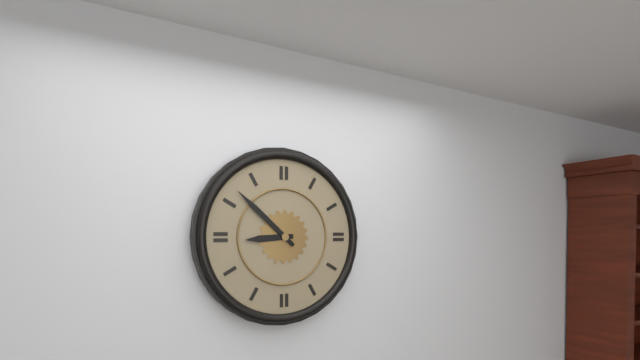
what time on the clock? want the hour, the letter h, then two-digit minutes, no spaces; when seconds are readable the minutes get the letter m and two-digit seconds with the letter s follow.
8h52
